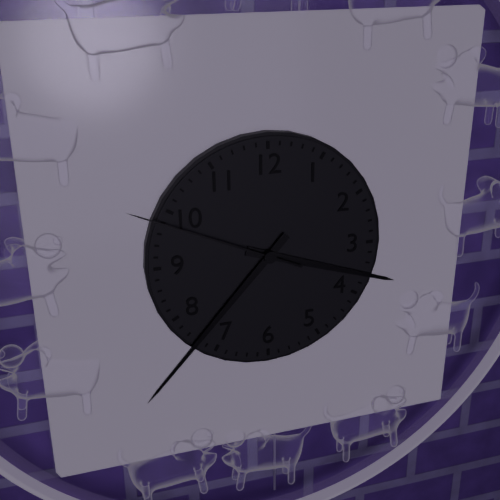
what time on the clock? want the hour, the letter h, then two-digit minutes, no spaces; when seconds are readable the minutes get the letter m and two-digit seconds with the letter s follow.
3h37m49s
